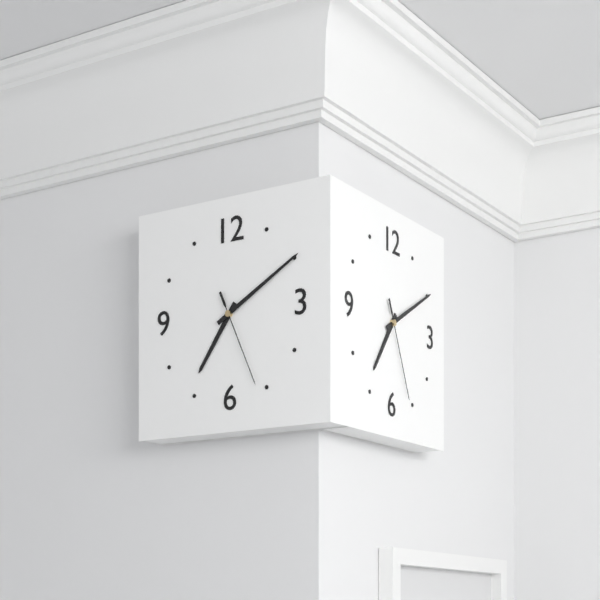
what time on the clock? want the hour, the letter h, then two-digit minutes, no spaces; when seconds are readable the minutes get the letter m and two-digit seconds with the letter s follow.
7h10m26s
